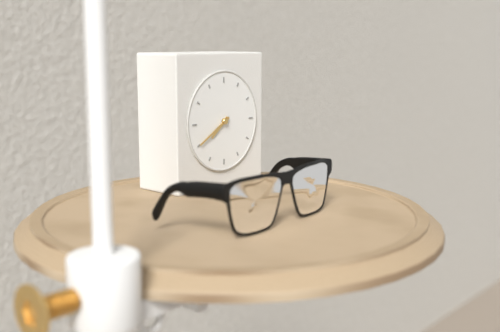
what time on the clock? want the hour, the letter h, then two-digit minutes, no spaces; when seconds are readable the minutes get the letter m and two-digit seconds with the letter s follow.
7h40
